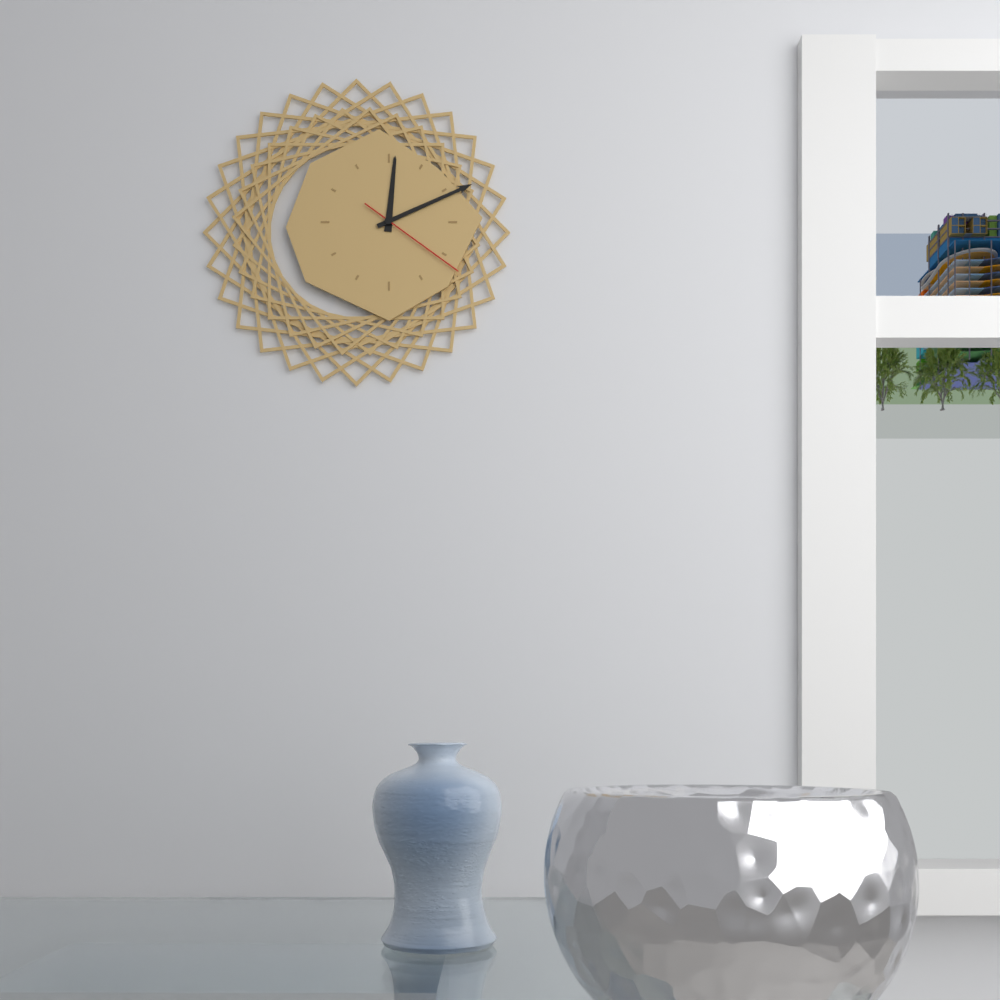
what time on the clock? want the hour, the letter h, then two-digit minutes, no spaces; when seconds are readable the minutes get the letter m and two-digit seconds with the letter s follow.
12h11m21s
